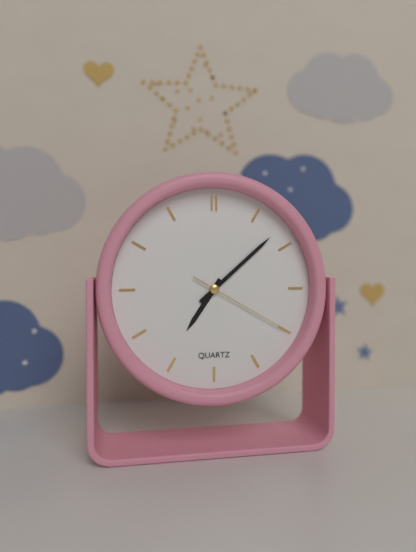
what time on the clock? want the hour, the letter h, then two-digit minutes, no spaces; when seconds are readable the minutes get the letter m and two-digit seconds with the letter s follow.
7h08m20s
